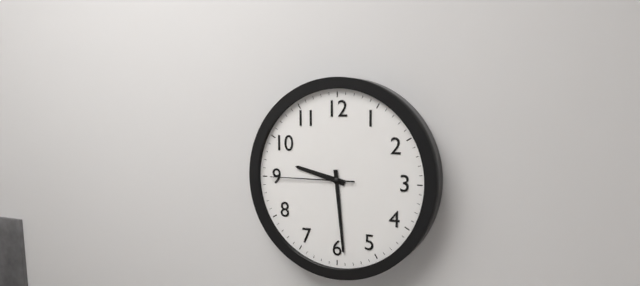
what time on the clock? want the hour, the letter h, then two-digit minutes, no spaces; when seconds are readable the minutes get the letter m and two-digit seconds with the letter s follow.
9h29m45s
